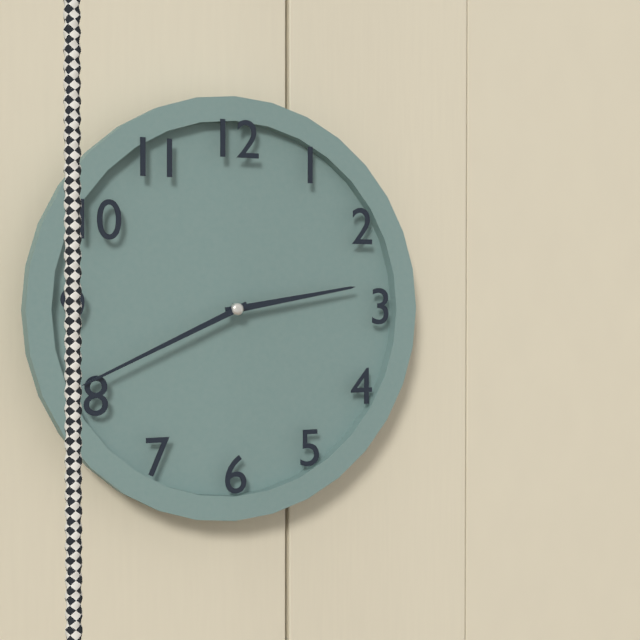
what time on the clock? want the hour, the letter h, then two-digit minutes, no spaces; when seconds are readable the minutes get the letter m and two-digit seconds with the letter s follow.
2h41
